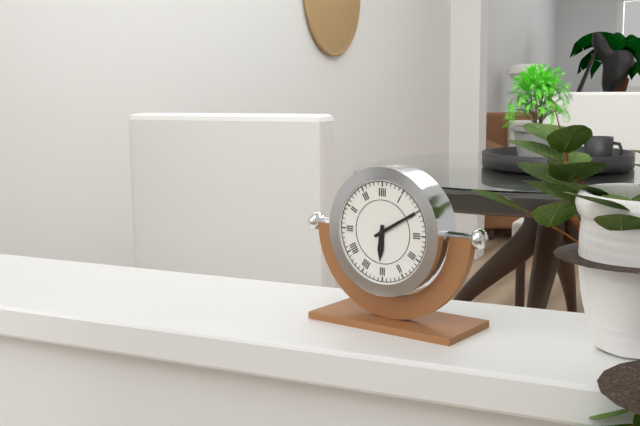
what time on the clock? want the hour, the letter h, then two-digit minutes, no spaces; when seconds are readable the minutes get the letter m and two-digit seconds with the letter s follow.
6h10
